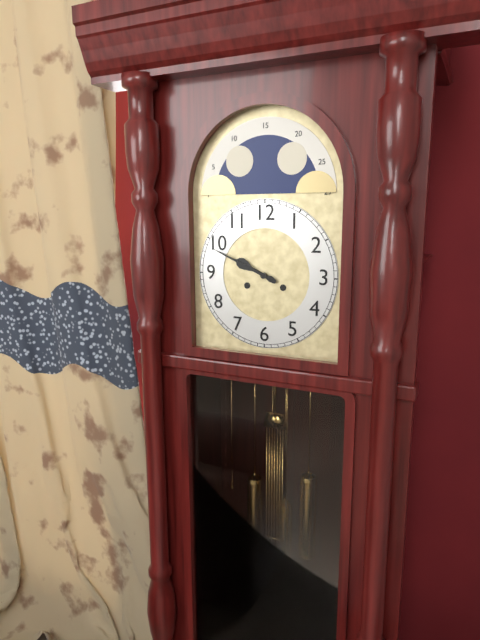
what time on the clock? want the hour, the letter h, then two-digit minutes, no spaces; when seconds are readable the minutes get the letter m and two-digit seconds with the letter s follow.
9h49
